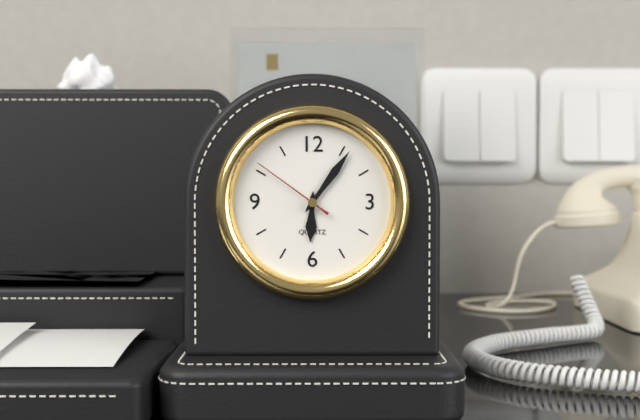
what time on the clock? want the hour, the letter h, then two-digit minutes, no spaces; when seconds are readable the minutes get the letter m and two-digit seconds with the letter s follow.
6h06m51s
